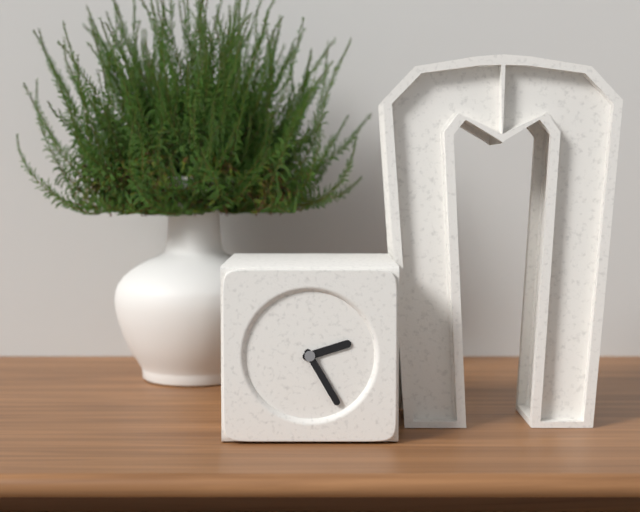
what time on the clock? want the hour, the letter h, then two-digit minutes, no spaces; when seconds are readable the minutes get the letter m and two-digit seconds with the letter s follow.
2h25
